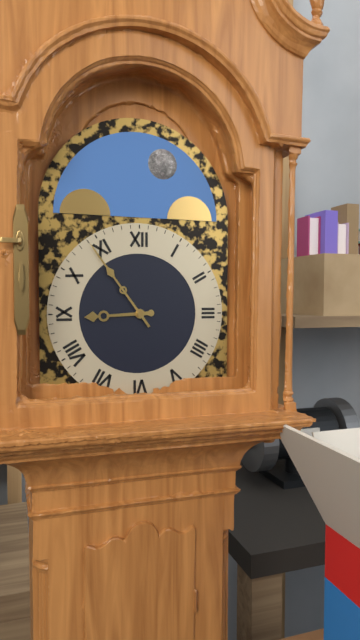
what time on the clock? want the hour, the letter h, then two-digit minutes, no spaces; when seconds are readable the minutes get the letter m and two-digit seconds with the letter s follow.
8h54
